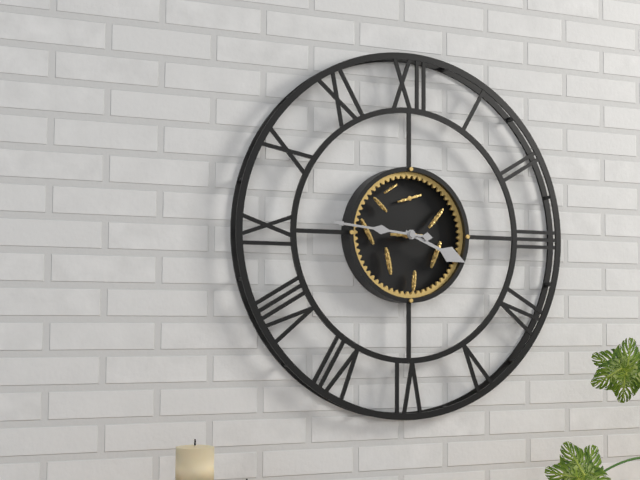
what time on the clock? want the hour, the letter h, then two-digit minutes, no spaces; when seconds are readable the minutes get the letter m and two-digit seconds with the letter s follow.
3h46
